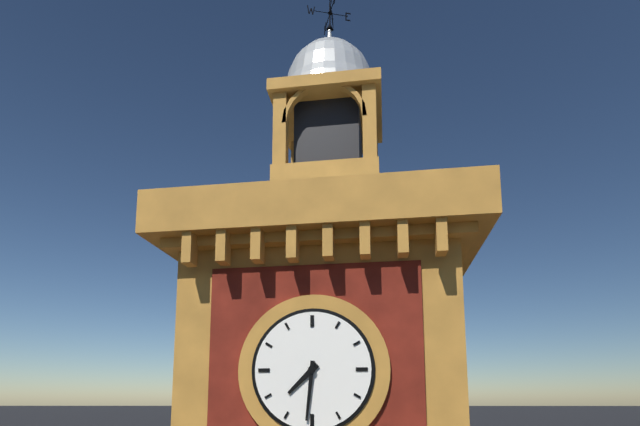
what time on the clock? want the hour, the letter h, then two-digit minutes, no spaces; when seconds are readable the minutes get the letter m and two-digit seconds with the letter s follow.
7h31
